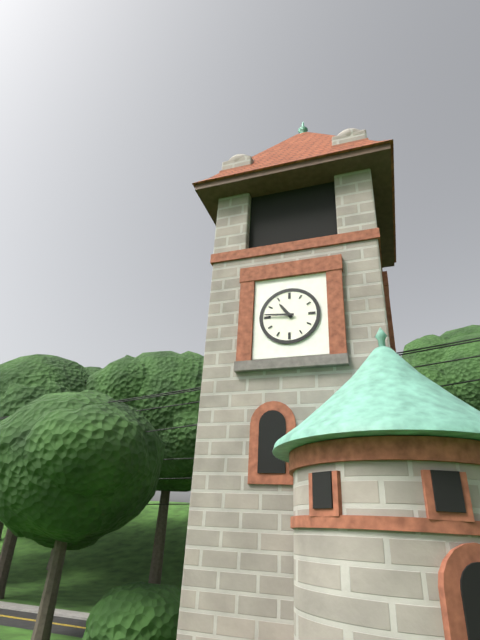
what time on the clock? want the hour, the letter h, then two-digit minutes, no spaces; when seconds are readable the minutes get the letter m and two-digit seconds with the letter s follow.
10h46
